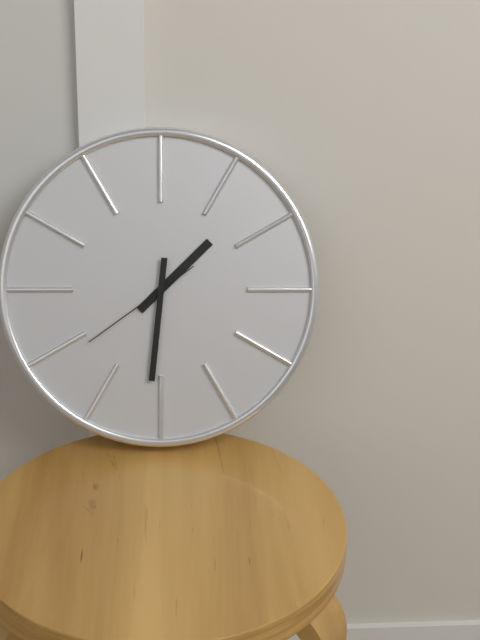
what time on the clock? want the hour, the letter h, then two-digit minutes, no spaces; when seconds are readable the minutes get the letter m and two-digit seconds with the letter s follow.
1h31m39s
